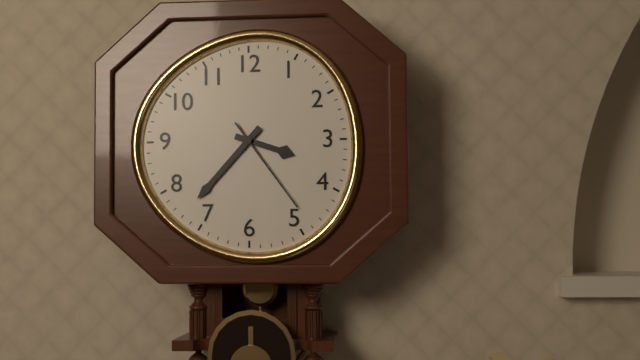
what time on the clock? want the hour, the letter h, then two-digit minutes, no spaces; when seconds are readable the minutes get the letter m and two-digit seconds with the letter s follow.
3h37m24s
